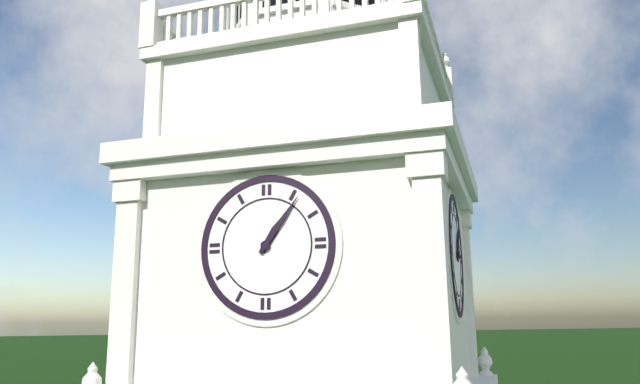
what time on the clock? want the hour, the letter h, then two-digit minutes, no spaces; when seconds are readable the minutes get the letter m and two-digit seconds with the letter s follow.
1h06
